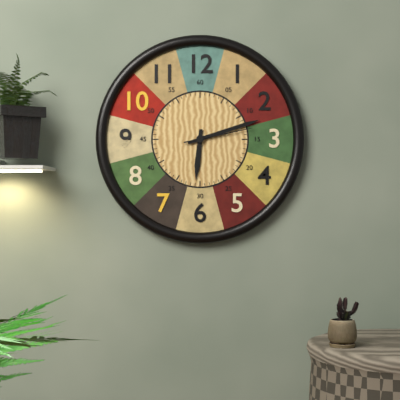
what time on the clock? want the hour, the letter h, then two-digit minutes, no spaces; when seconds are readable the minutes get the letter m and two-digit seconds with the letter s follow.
6h12m13s
